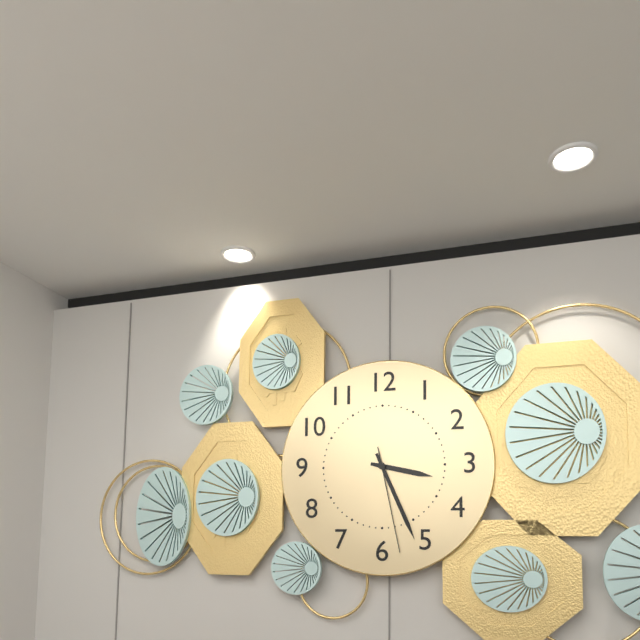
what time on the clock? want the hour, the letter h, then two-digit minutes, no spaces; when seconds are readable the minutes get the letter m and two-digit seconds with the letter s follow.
3h26m28s
